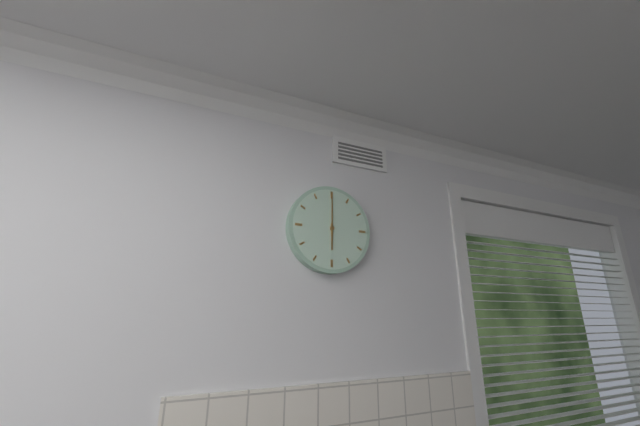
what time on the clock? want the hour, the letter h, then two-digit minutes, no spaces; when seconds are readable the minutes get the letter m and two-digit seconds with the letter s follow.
6h00
